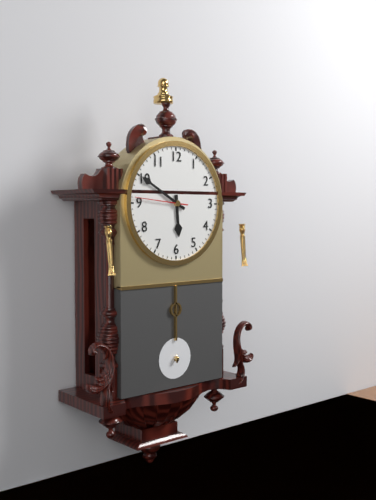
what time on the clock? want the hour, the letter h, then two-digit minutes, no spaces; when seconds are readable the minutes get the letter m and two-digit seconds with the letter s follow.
5h50m46s
